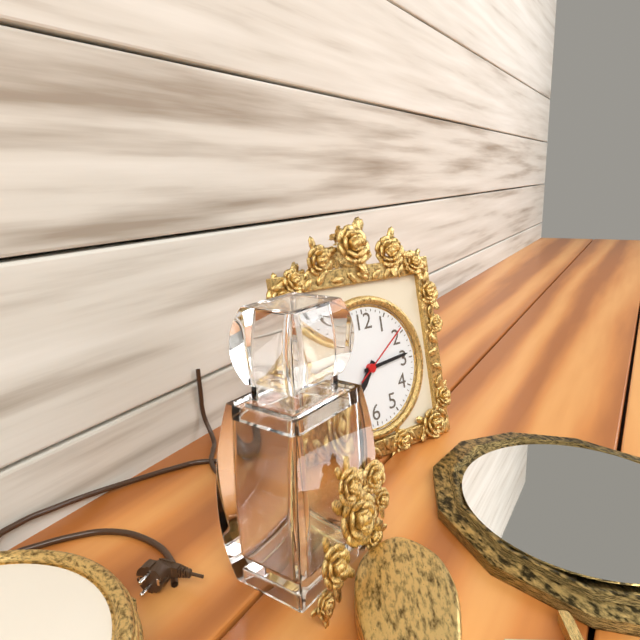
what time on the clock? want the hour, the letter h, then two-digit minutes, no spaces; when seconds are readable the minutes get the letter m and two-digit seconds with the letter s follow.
7h14m09s
